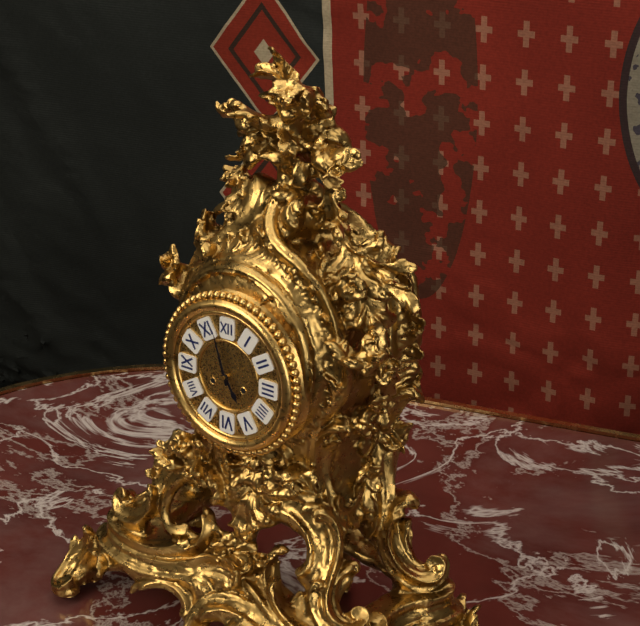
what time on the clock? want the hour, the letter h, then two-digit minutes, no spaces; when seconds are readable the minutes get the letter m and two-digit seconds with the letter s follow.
4h57
